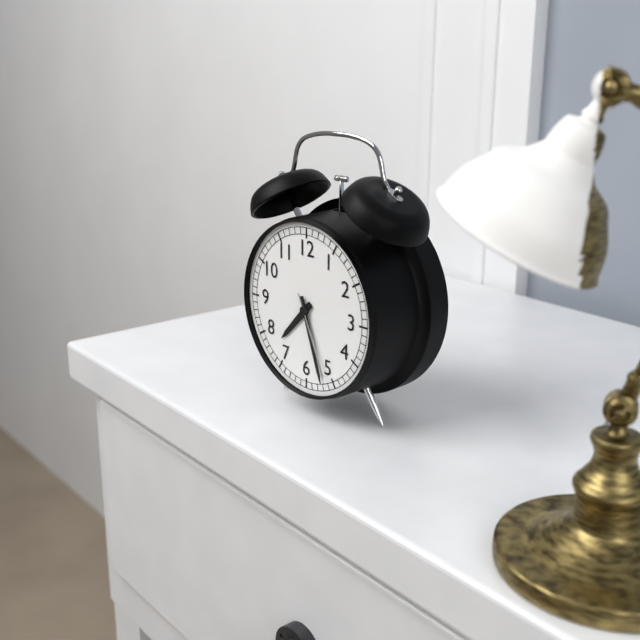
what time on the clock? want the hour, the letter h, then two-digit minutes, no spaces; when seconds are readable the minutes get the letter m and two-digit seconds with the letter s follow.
7h27m26s
